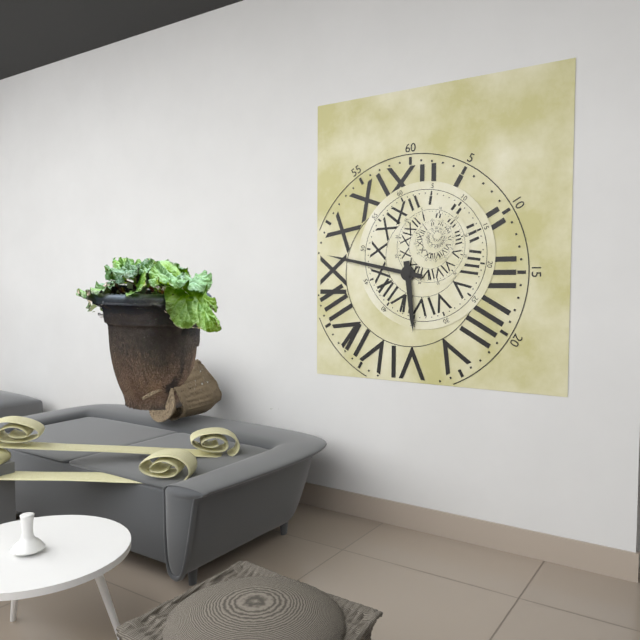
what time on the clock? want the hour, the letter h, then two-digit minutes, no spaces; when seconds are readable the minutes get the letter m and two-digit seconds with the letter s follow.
5h47
